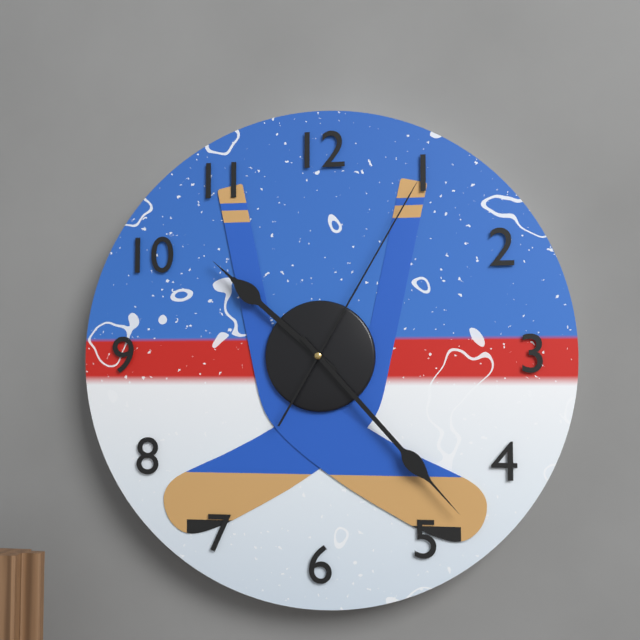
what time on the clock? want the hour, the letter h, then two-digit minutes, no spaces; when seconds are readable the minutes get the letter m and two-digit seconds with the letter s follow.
10h23m05s
